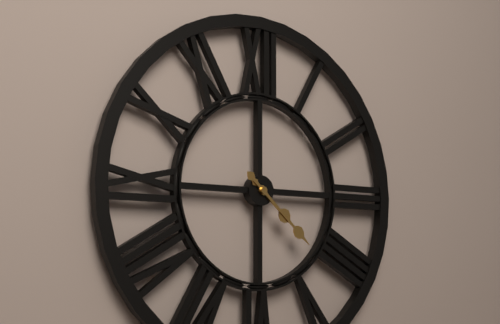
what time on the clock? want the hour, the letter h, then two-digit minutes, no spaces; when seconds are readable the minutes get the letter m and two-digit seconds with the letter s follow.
4h22
